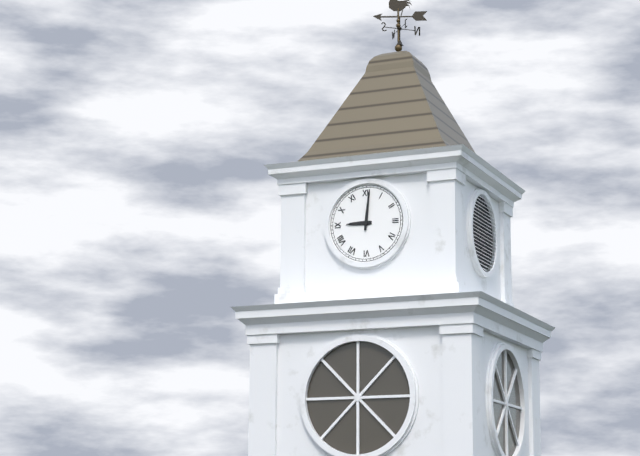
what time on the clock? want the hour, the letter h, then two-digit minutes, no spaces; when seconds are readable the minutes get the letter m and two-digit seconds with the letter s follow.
9h01
